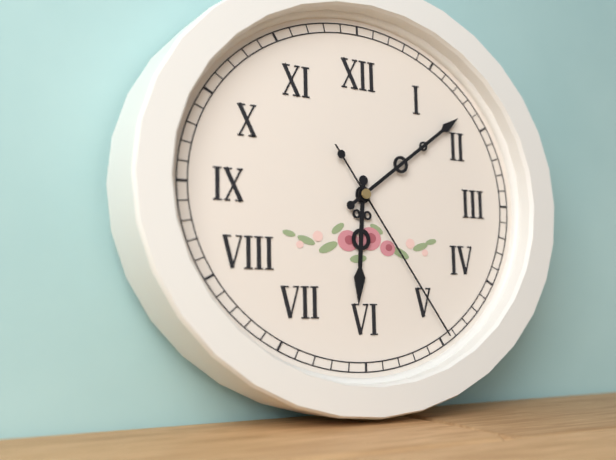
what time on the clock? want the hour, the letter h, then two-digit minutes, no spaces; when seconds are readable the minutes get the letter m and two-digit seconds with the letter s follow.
6h09m24s
